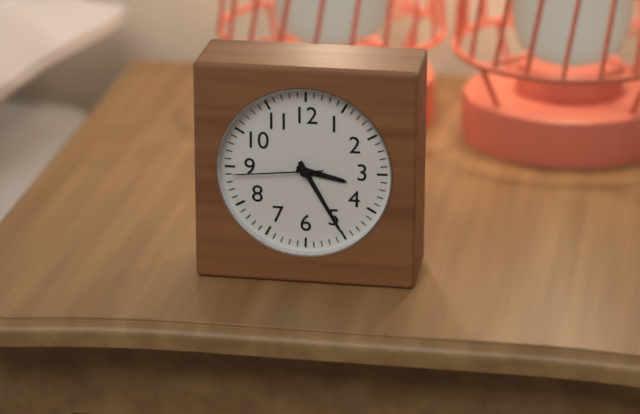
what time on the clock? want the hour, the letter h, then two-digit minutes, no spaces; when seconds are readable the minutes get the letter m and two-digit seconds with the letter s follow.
3h25m44s
